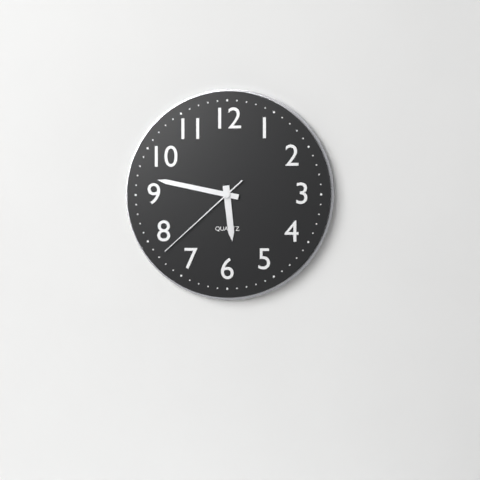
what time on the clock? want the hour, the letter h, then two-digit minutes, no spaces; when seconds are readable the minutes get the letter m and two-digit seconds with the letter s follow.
5h47m38s
